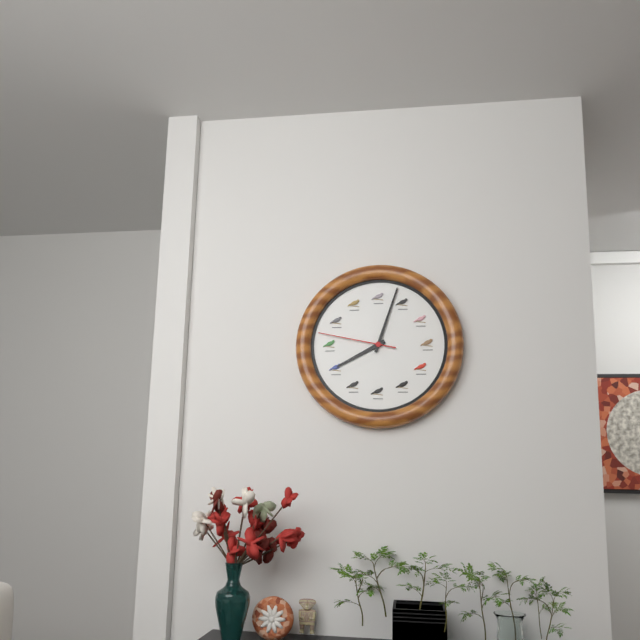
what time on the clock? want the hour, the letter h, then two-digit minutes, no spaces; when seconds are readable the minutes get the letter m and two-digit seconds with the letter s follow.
8h03m47s
